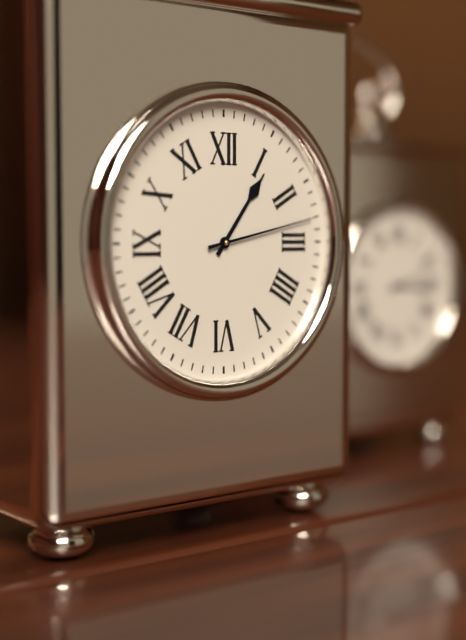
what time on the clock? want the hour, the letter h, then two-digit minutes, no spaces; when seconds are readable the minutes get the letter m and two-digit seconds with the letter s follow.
1h13
